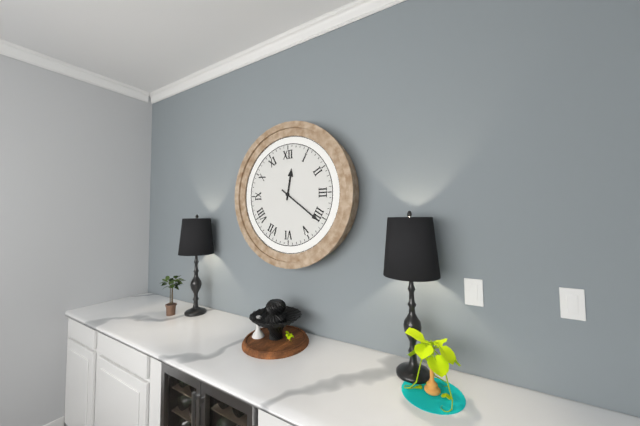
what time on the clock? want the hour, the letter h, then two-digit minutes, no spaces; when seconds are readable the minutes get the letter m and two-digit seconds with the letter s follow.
12h21
